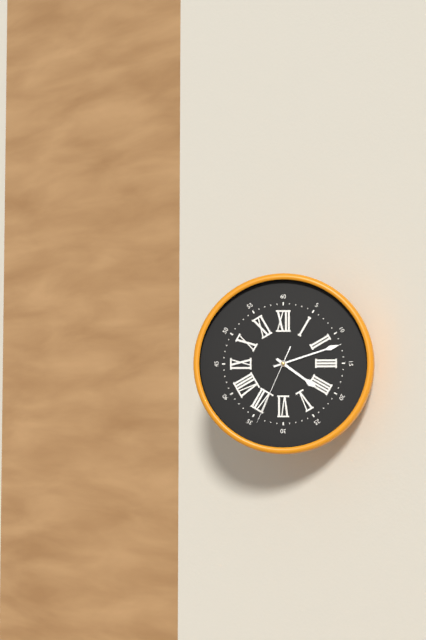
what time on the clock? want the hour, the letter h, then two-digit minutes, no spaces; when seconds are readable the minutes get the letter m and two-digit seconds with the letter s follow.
4h12m34s
